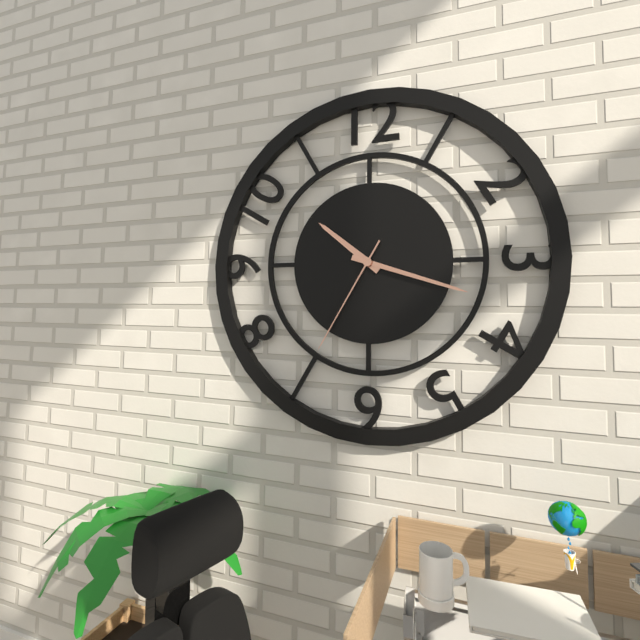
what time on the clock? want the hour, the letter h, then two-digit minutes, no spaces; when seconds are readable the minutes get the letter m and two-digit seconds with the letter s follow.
10h18m35s
